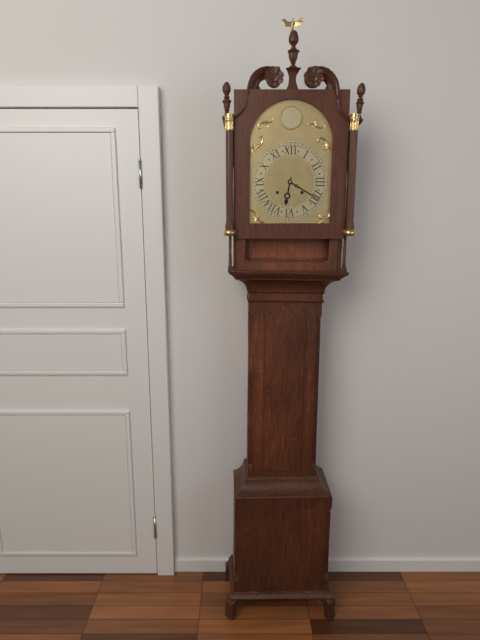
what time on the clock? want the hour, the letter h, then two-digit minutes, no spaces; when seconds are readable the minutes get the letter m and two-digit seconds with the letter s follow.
6h20
